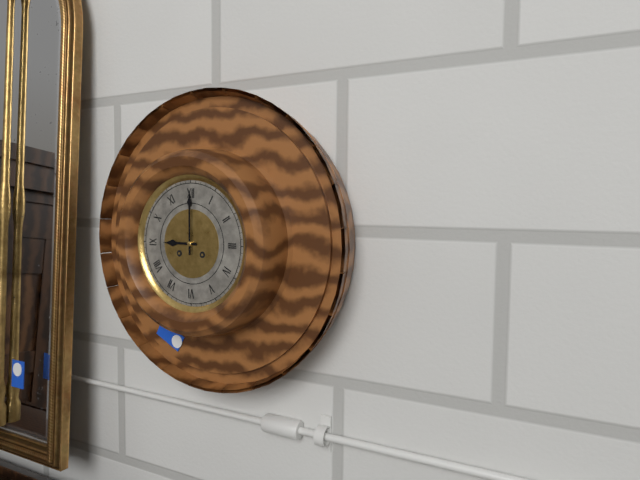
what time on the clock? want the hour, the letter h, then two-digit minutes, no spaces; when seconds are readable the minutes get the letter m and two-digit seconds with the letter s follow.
9h00
